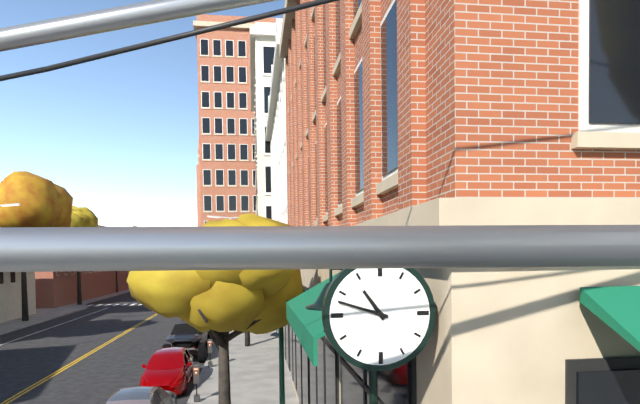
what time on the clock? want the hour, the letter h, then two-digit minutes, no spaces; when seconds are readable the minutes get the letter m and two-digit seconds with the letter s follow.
10h48
